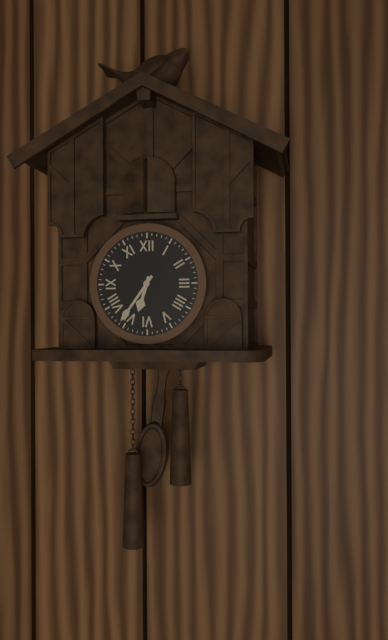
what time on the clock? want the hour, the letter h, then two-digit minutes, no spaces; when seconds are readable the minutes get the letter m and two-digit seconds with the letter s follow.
6h36
